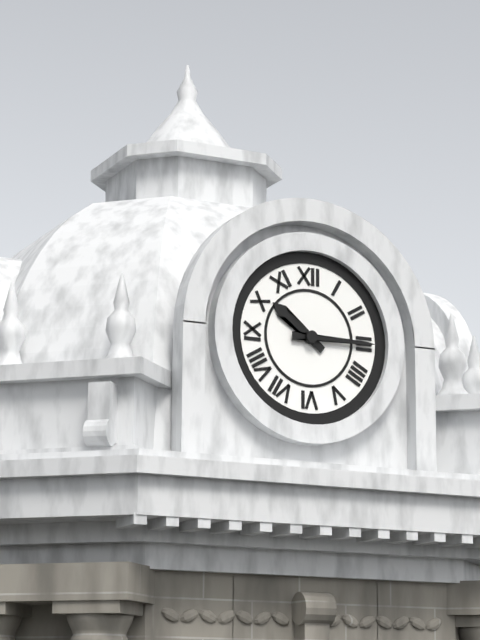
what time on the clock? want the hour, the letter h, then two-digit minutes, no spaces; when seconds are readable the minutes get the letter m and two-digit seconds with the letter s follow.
10h15
